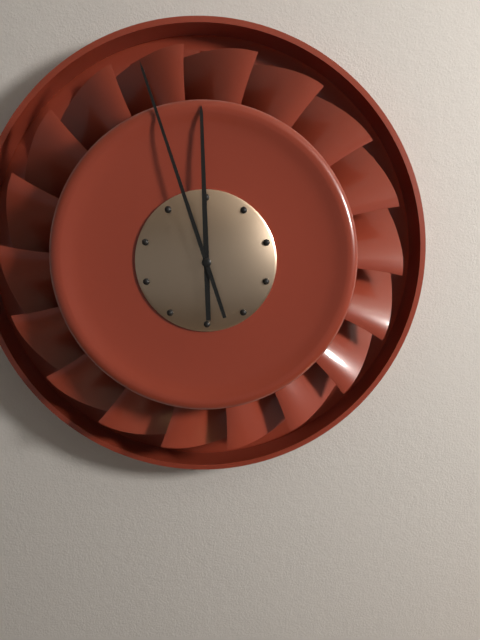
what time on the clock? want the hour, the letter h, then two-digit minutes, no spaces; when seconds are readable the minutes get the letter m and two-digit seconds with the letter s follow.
11h57
